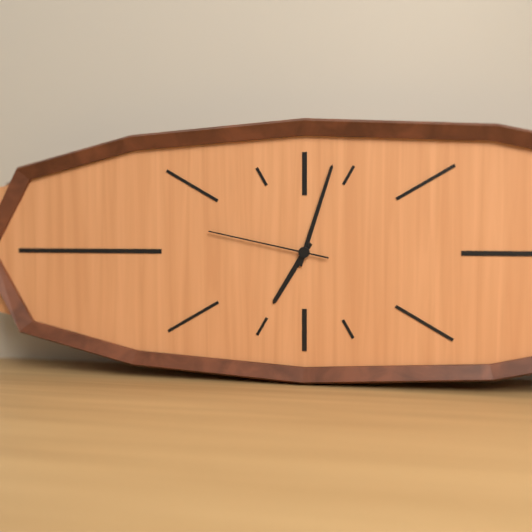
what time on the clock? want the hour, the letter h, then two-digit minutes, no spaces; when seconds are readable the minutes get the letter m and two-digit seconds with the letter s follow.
7h03m47s
